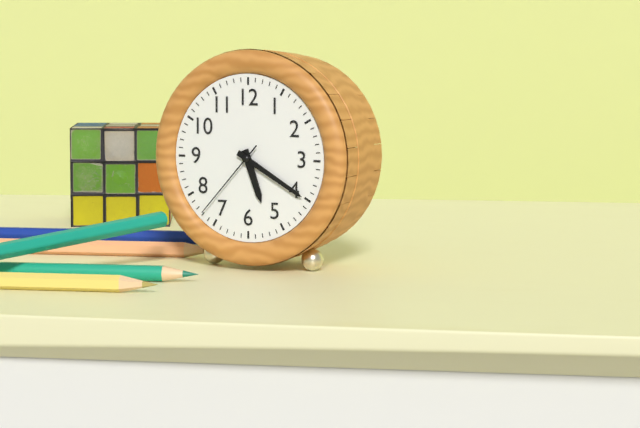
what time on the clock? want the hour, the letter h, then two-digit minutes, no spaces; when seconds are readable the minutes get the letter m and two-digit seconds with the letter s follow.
5h20m37s
